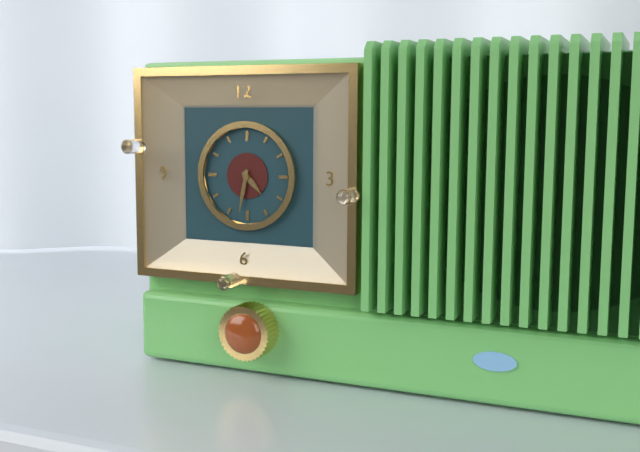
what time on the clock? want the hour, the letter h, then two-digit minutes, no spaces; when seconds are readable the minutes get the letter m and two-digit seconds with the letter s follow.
4h32
